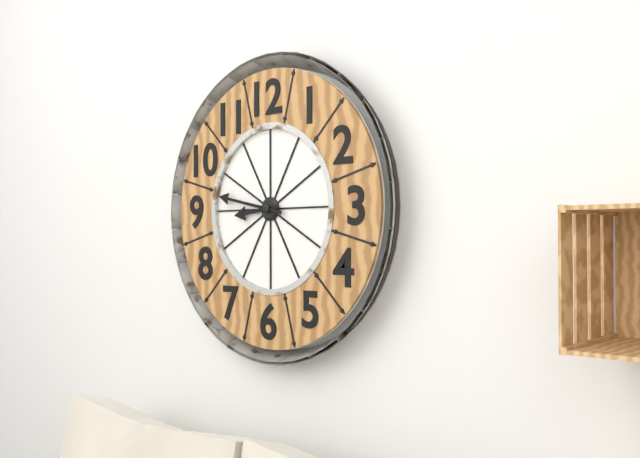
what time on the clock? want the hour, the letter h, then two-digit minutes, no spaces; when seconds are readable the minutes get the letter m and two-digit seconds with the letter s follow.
8h47
